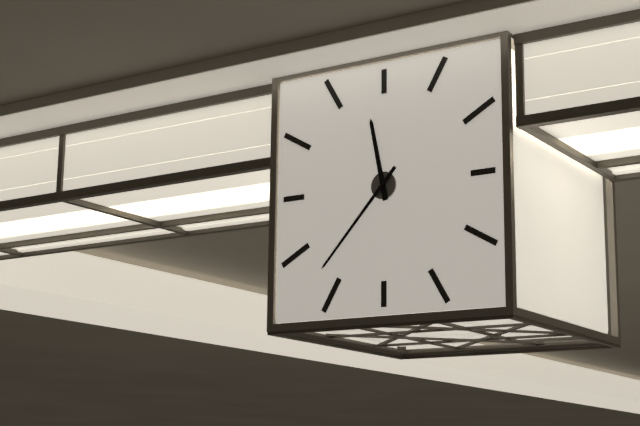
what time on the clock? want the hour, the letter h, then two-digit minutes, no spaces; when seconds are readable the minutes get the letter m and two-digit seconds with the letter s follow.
11h37
